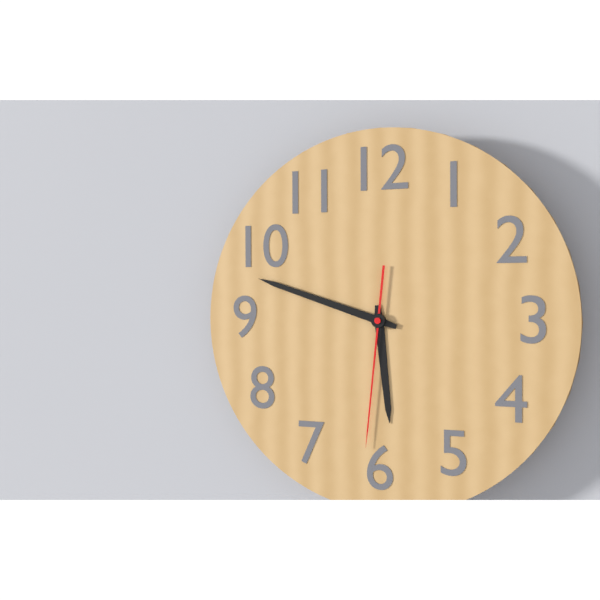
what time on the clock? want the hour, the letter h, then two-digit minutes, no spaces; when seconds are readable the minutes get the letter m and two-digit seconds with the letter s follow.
5h48m31s
